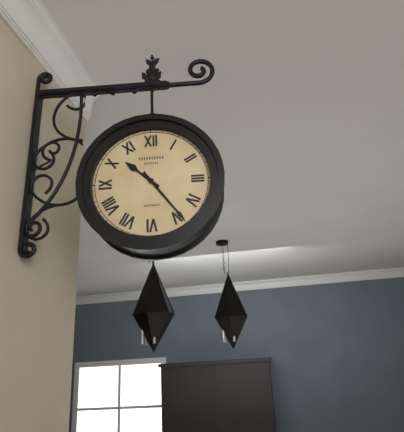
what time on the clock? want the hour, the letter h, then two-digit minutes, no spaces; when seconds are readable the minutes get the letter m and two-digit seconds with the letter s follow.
10h24
